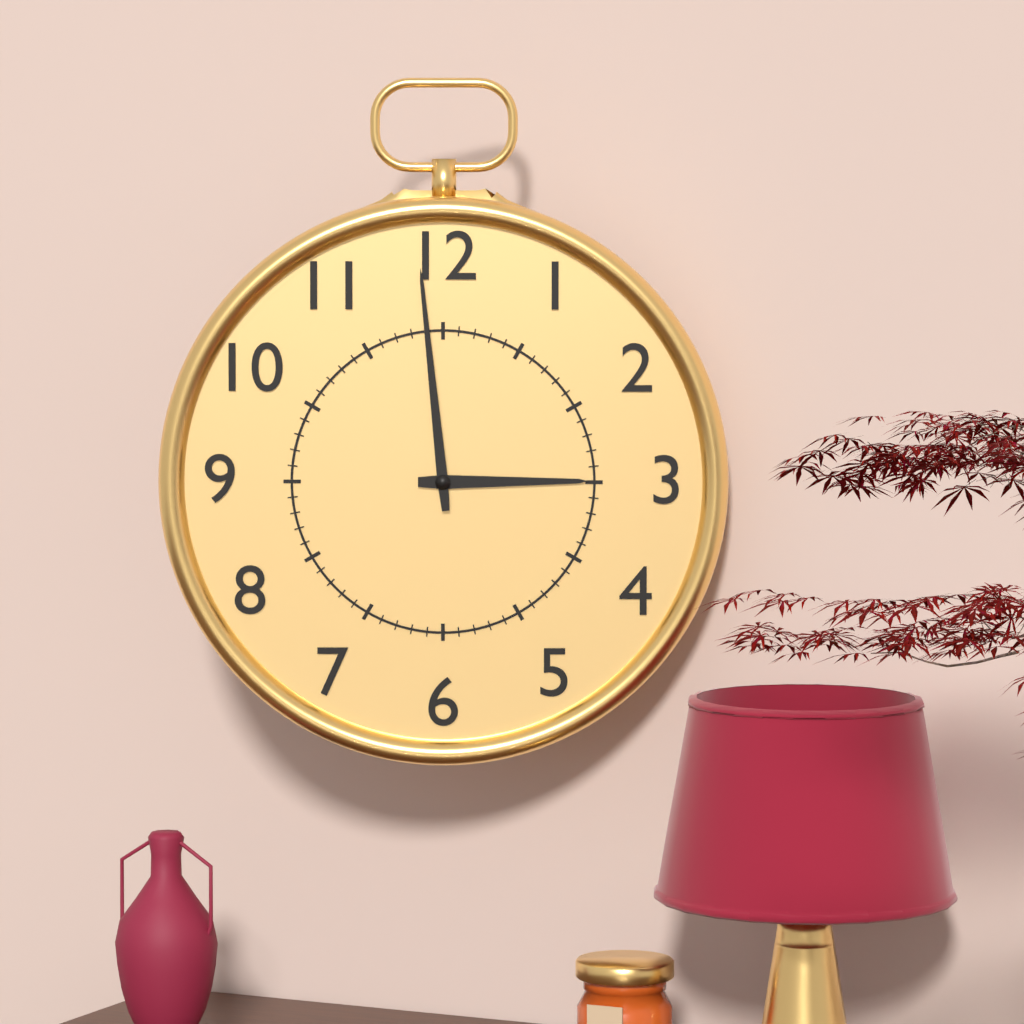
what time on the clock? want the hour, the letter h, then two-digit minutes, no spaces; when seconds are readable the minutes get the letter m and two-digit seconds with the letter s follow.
2h59
